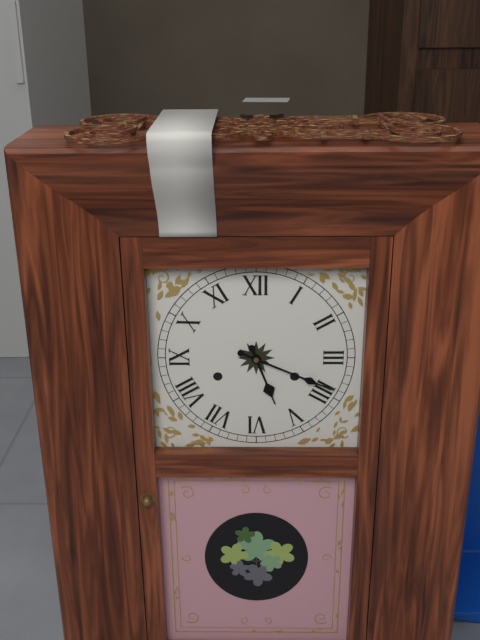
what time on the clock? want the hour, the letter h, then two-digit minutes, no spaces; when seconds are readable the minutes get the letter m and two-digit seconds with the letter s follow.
5h19
